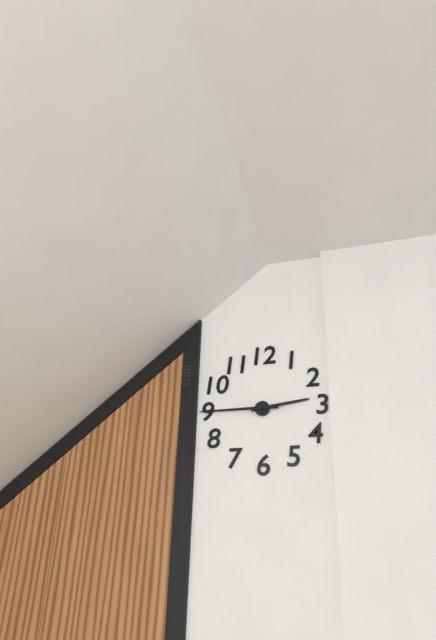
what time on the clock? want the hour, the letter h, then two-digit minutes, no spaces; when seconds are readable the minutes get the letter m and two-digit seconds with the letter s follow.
2h45
